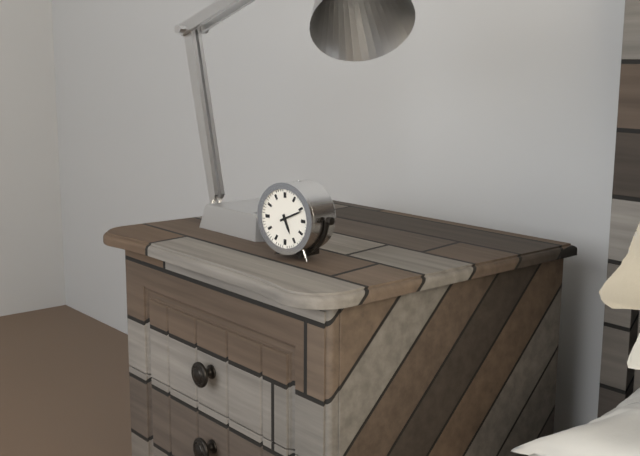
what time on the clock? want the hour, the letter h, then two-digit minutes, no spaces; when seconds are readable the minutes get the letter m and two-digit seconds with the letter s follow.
5h11
